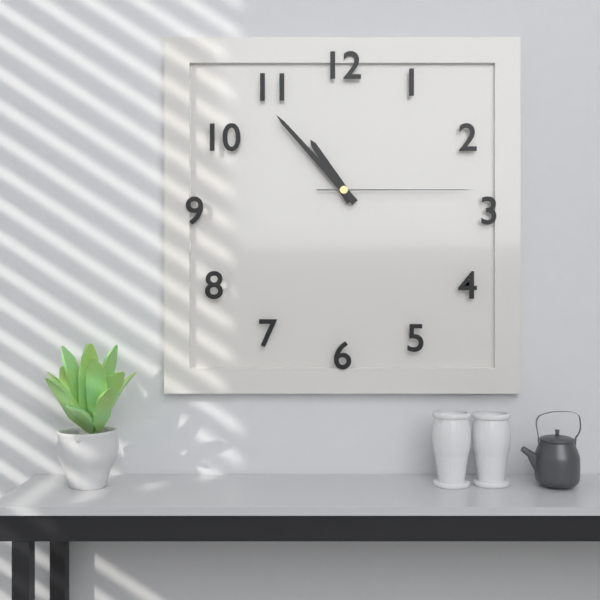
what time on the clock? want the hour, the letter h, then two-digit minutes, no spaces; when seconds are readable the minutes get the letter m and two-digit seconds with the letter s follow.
10h53m15s
